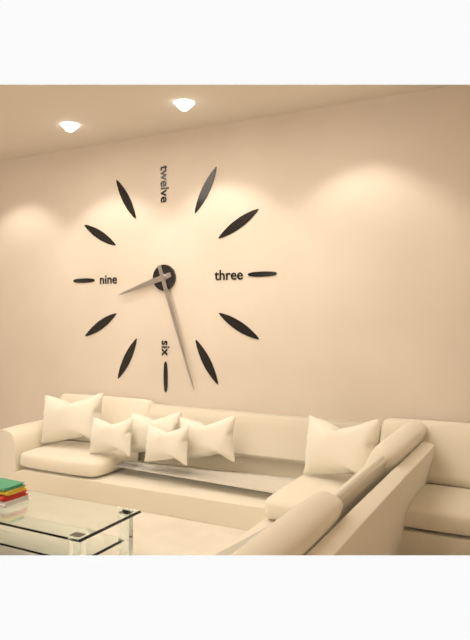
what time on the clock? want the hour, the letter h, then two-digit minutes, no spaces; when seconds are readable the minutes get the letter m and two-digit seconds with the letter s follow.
8h27
